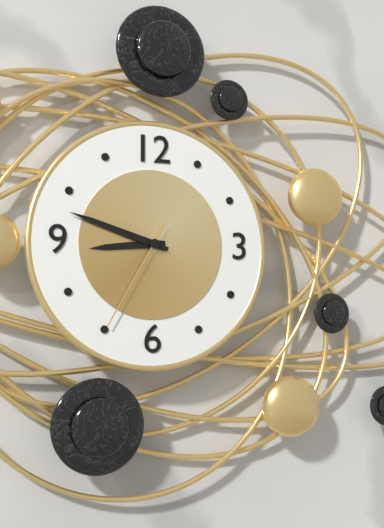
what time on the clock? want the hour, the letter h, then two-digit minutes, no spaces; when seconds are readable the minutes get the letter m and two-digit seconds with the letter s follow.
8h48m35s
